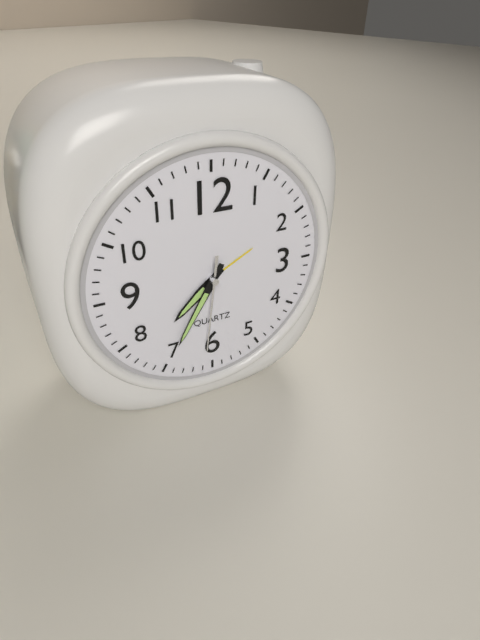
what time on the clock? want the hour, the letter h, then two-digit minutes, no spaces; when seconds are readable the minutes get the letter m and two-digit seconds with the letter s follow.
7h35m31s
